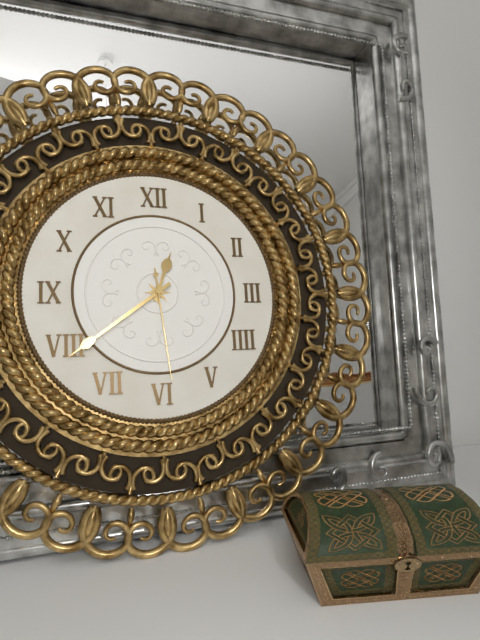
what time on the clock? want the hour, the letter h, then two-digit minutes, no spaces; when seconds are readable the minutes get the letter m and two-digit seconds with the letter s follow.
12h39m29s
